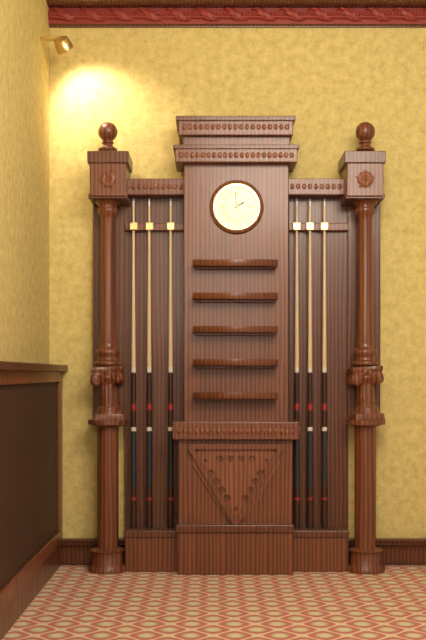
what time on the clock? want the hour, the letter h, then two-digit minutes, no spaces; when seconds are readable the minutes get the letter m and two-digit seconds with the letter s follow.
1h59
